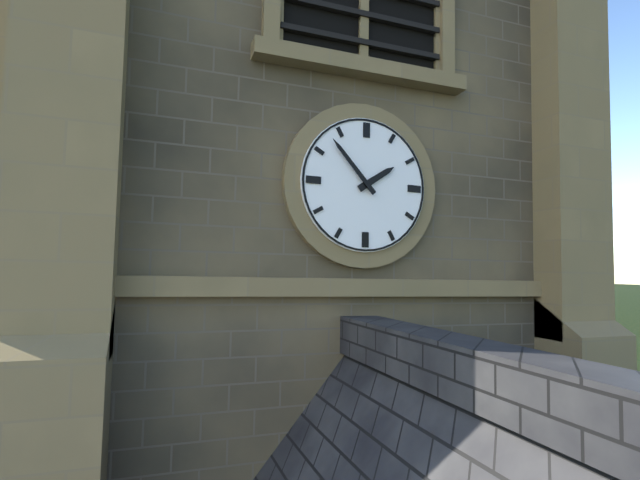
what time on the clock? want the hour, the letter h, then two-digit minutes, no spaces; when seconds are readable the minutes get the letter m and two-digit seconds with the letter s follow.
1h53
